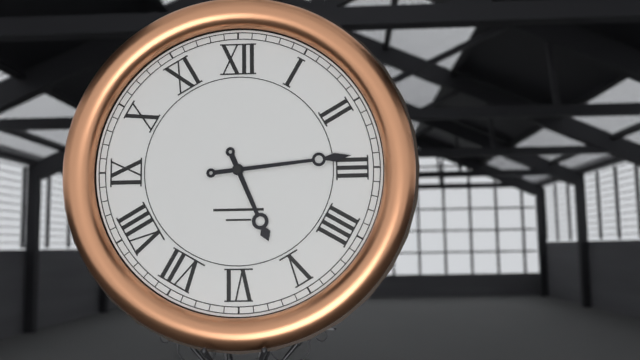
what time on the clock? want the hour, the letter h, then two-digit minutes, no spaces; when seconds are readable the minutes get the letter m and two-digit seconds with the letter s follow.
5h14
